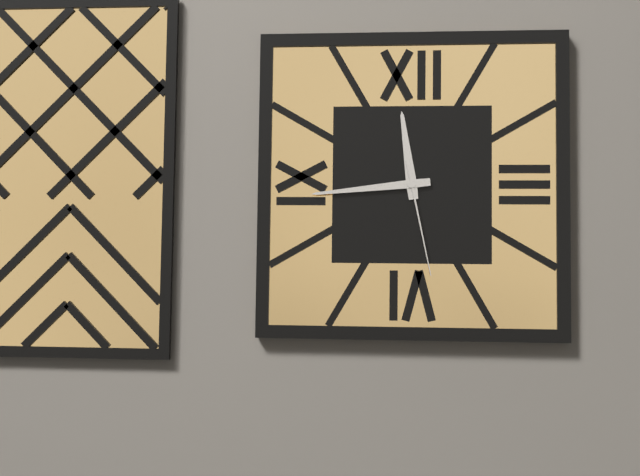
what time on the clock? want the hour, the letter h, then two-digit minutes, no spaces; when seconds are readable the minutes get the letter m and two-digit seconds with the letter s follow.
11h44m28s
